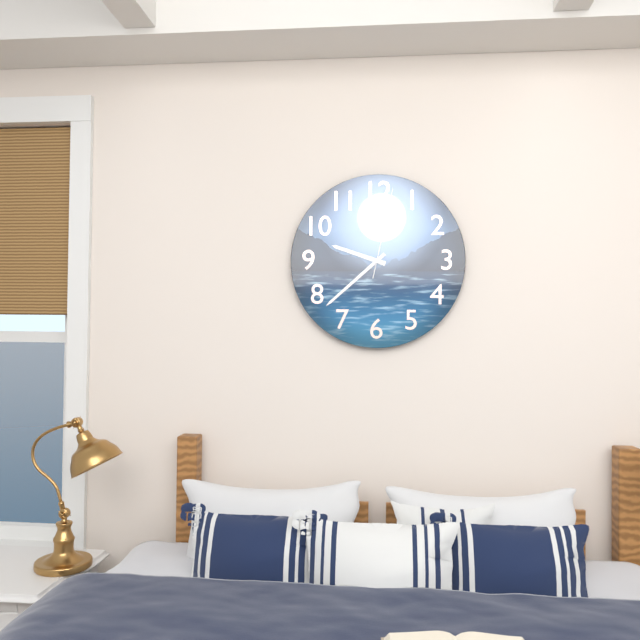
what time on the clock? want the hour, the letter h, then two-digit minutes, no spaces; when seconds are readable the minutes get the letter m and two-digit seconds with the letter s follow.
9h38m02s
